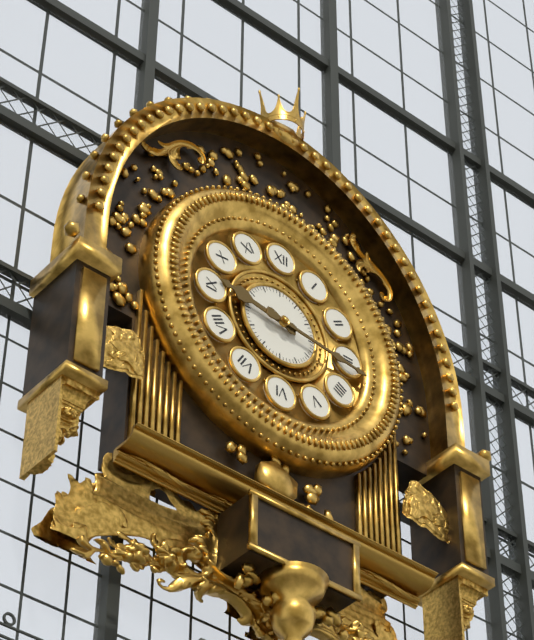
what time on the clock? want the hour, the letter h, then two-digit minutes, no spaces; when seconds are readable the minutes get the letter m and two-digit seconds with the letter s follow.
9h16
